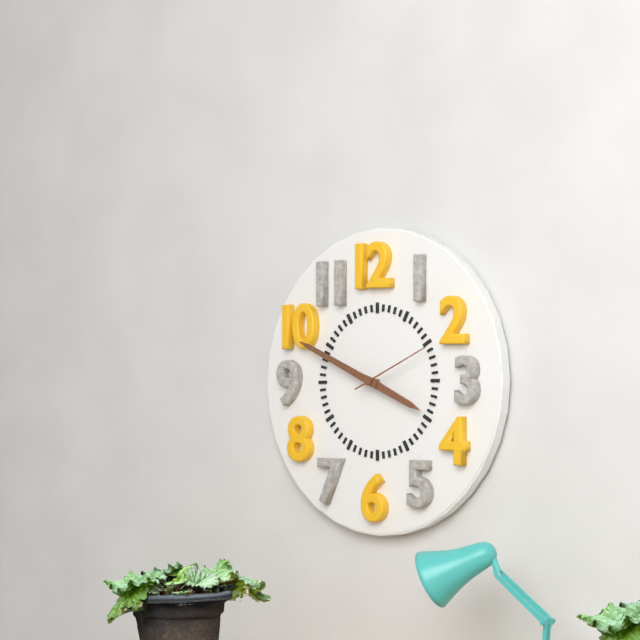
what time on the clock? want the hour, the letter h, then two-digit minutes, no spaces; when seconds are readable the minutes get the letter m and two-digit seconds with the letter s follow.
3h49m11s
